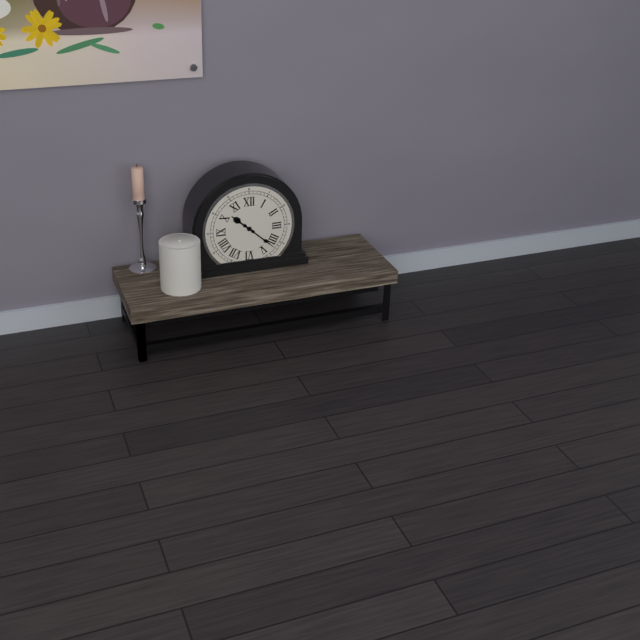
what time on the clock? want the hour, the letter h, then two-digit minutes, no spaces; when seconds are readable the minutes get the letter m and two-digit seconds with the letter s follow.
10h22
